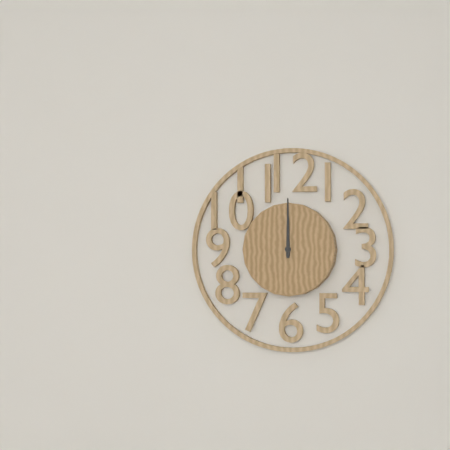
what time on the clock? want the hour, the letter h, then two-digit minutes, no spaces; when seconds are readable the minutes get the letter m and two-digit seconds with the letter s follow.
12h00
